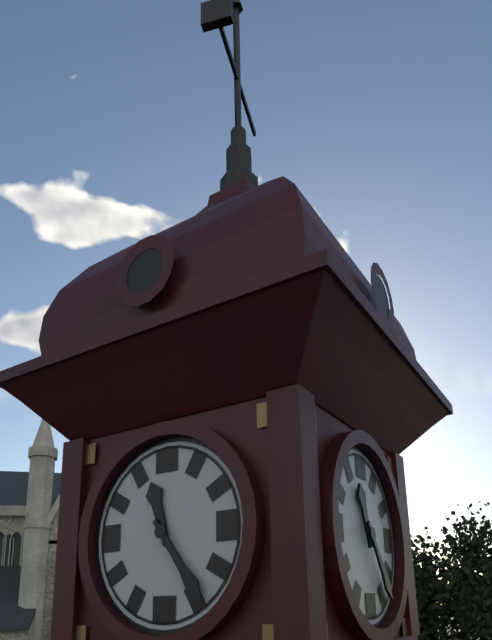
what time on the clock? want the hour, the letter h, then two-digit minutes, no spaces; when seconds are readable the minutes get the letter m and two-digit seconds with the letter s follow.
11h24
